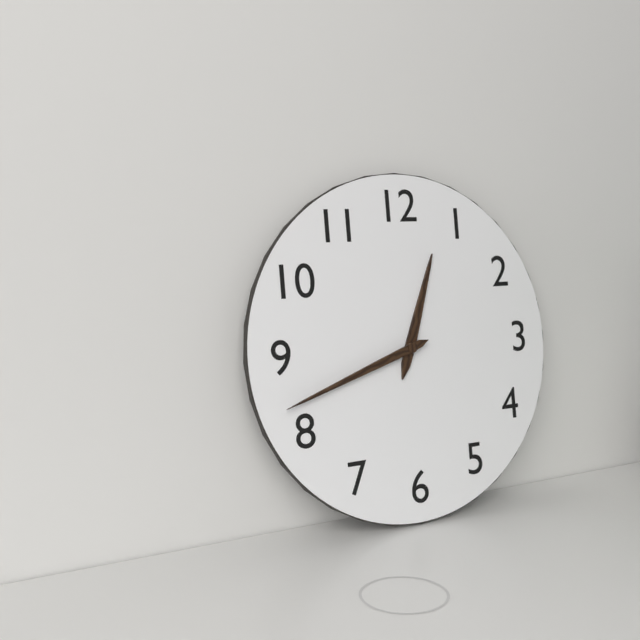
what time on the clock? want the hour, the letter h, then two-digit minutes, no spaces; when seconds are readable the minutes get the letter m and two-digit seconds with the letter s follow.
12h42
